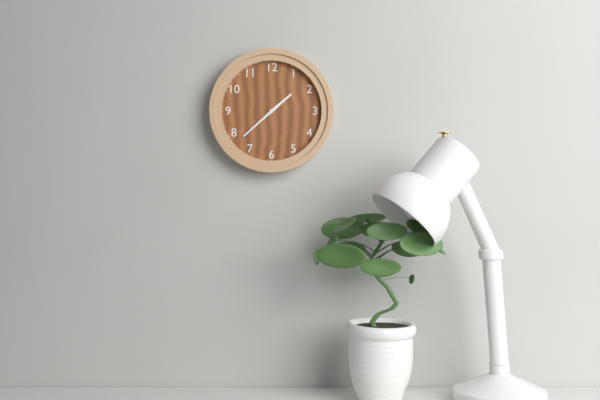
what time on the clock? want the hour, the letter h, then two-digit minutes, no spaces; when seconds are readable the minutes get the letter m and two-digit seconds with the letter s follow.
1h38
